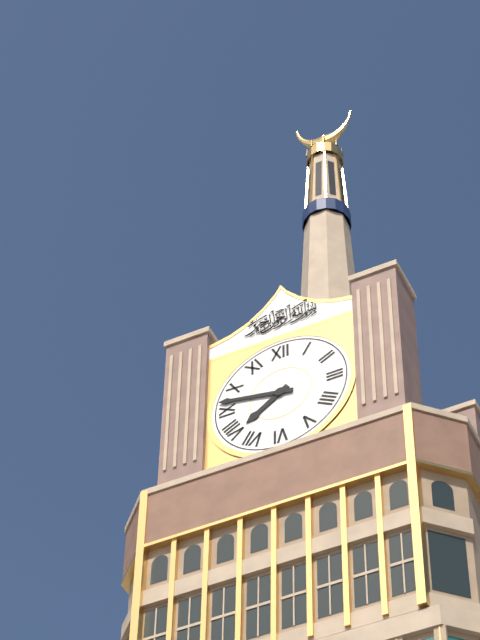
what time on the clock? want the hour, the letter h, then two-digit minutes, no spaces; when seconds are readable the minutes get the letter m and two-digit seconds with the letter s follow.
7h47
